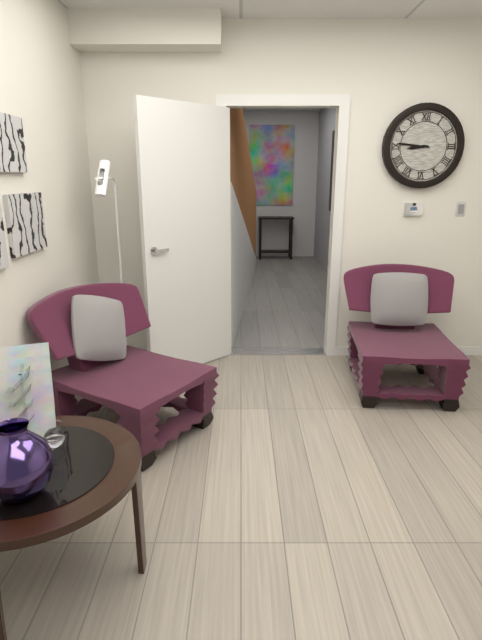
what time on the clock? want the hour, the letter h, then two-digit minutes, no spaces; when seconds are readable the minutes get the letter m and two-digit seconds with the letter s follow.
8h46
